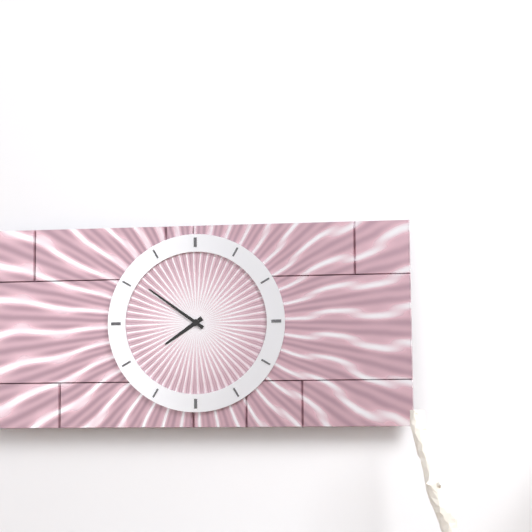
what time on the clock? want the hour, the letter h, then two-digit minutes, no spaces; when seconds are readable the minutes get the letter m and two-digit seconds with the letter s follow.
7h51
